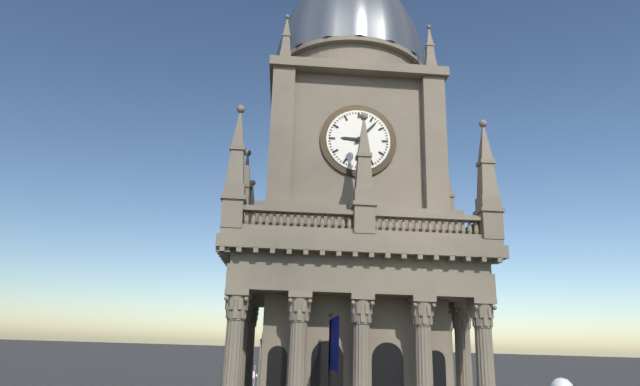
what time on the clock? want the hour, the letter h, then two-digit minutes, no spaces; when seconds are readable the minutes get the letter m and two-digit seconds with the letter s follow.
9h07
